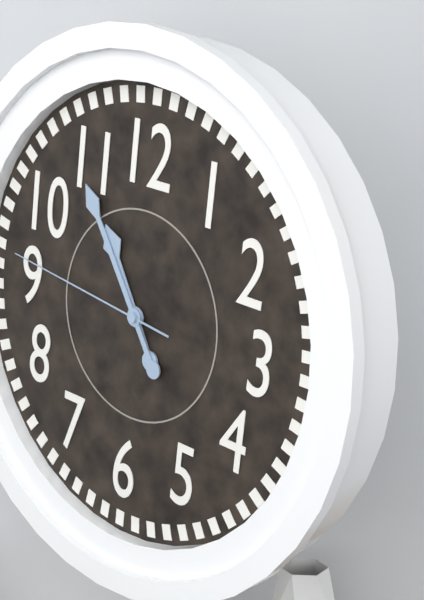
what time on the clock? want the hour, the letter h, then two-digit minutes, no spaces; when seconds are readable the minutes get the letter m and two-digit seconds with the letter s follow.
10h54m46s
